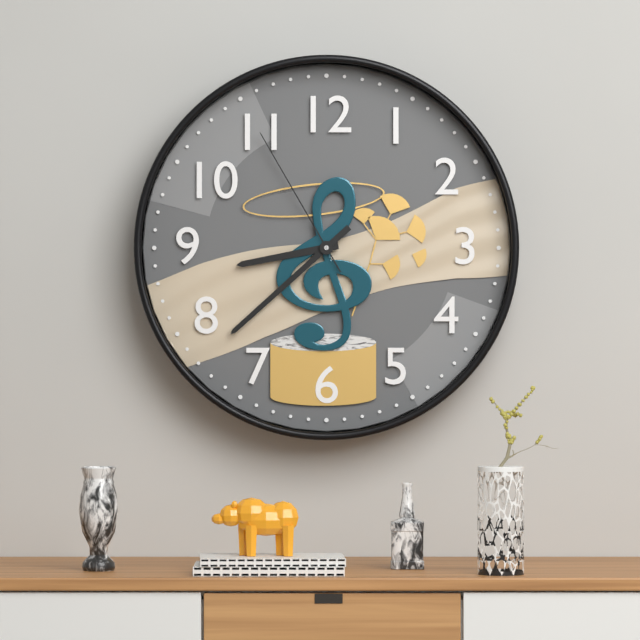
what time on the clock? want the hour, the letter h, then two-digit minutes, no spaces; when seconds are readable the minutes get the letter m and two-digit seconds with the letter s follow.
8h38m55s
